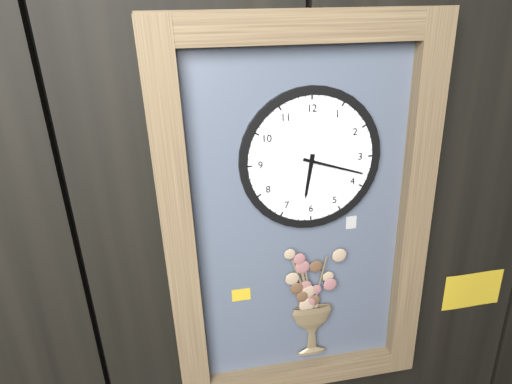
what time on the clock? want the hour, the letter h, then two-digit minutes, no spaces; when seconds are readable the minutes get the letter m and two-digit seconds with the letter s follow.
6h18
